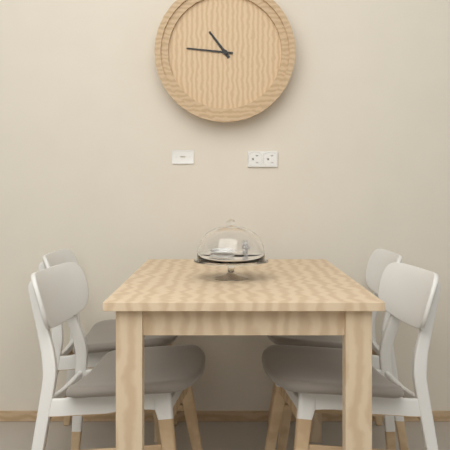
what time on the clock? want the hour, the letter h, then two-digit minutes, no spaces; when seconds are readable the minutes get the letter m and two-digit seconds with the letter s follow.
10h46
